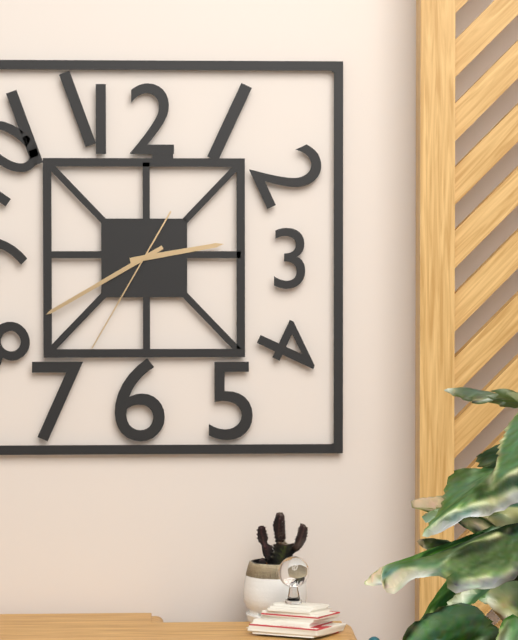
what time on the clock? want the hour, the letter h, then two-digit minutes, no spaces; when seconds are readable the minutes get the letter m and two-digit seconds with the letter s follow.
2h40m35s
